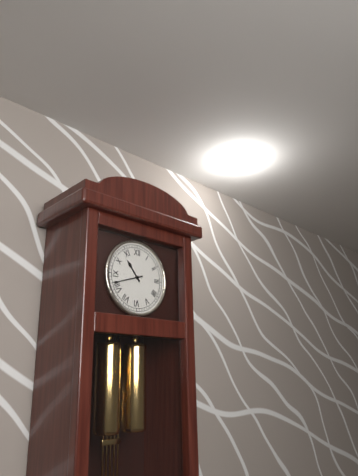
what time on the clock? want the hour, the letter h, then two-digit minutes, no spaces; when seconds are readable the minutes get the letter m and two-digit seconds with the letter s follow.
10h42
